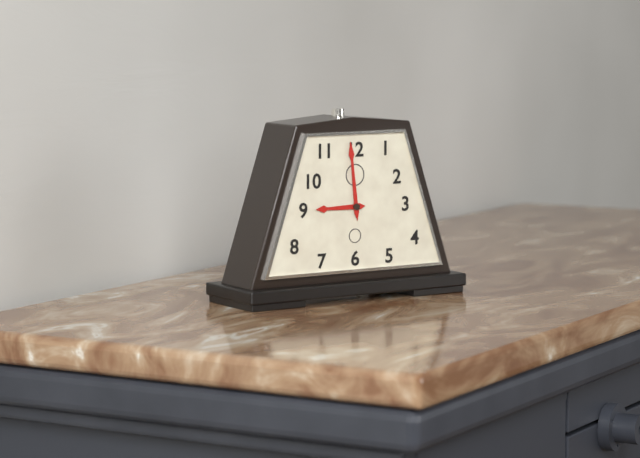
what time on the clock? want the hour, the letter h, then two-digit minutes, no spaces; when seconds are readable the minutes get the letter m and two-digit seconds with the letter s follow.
8h59
